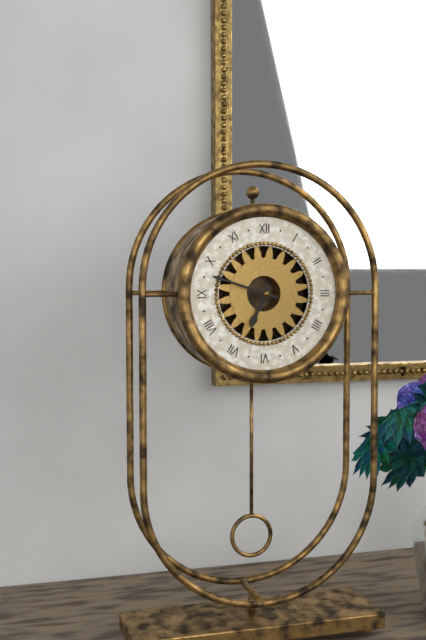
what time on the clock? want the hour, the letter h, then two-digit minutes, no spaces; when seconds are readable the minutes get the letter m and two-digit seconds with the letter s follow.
6h48
